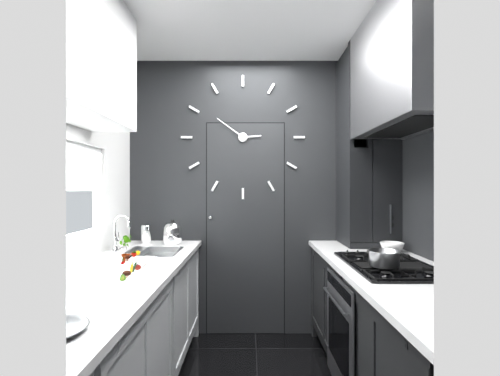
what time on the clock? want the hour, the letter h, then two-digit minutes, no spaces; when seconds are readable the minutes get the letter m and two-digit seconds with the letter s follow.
2h51
